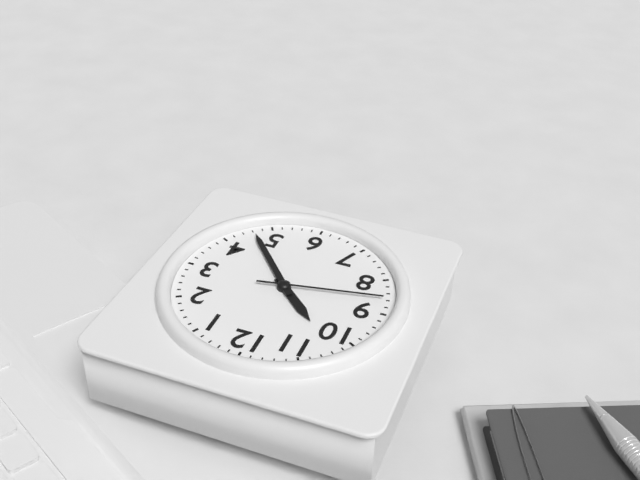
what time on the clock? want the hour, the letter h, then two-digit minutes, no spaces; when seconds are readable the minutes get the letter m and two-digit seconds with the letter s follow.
10h23m43s
